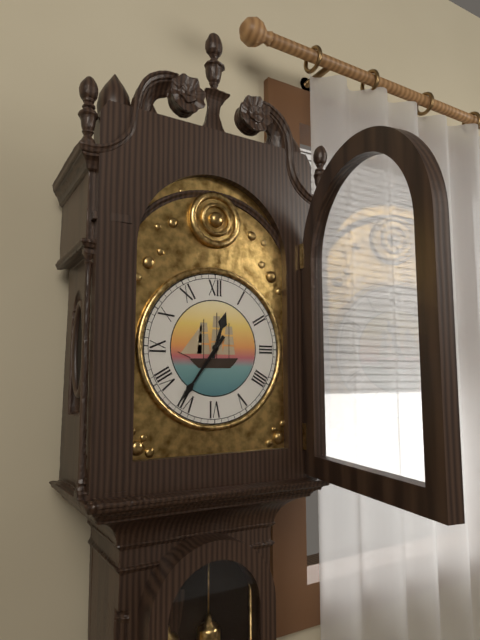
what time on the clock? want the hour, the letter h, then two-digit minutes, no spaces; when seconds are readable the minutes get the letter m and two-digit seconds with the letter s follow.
12h36
